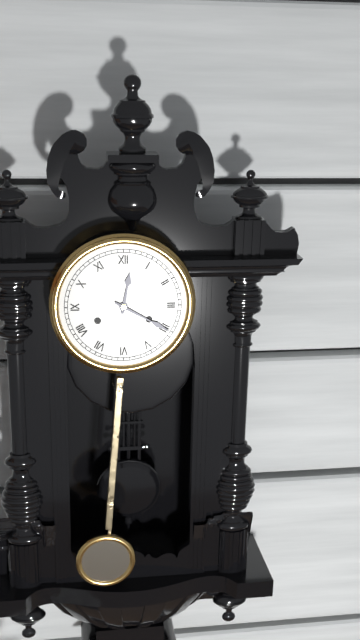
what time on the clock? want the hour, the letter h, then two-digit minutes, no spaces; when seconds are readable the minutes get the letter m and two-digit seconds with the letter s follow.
12h20
